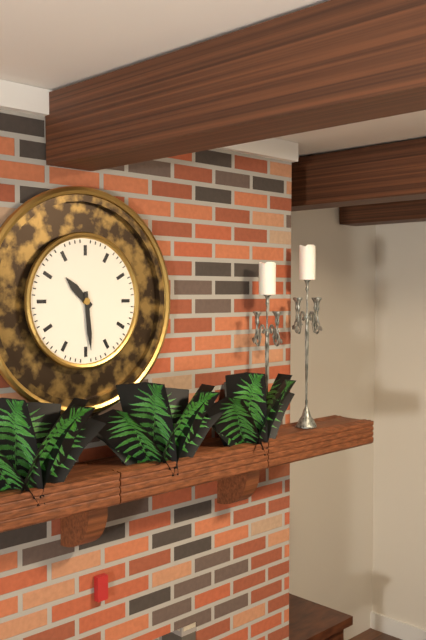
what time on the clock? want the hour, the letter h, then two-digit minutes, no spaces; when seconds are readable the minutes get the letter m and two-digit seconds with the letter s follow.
10h29
